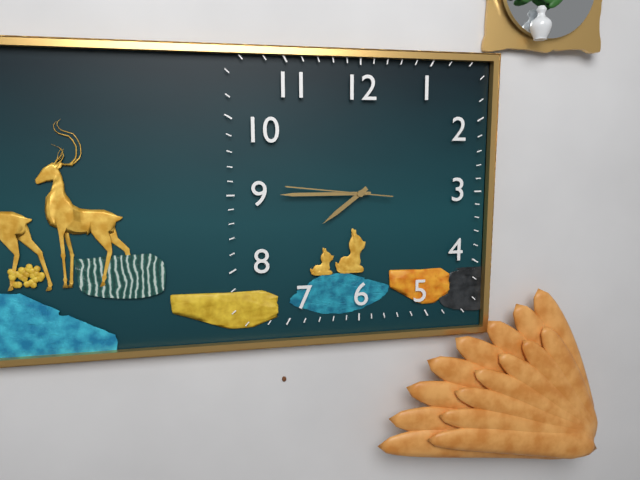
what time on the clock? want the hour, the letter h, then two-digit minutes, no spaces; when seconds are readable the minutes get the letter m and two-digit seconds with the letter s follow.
7h45m46s
